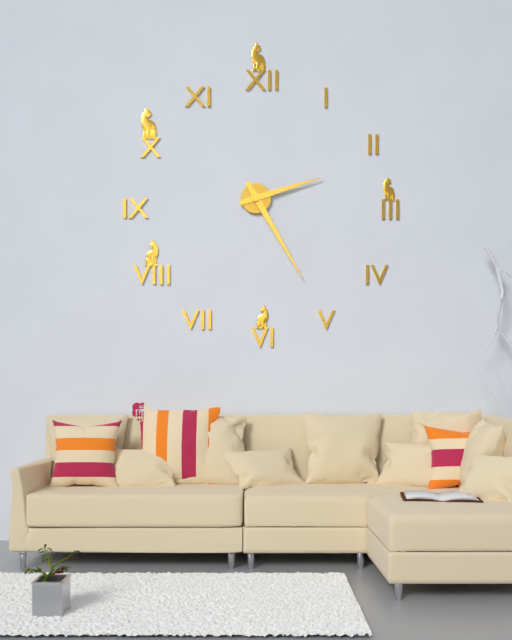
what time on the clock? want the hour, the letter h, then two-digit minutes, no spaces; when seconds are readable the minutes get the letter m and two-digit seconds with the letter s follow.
2h25
